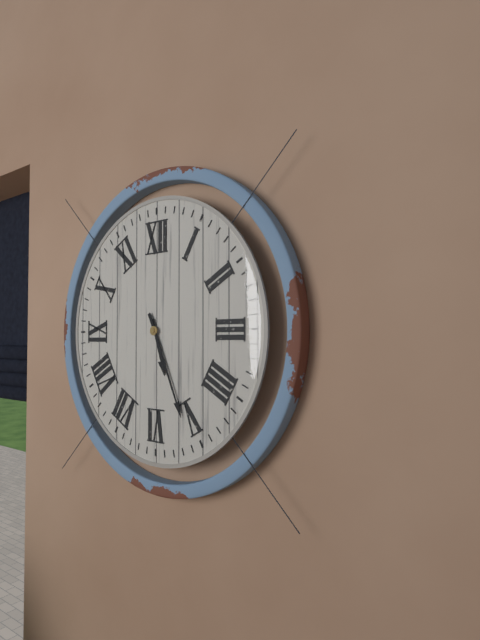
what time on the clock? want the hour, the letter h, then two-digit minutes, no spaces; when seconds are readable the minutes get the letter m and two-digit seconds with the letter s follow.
5h26
